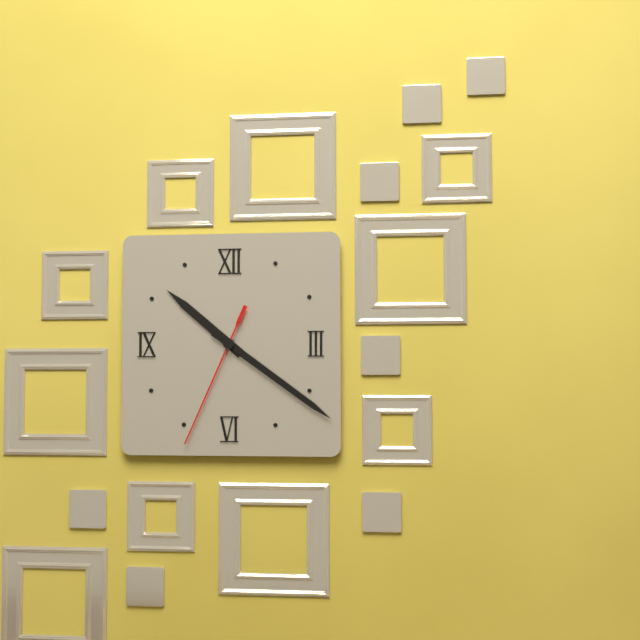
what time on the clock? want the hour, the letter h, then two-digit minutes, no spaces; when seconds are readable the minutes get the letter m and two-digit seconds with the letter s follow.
10h21m34s
